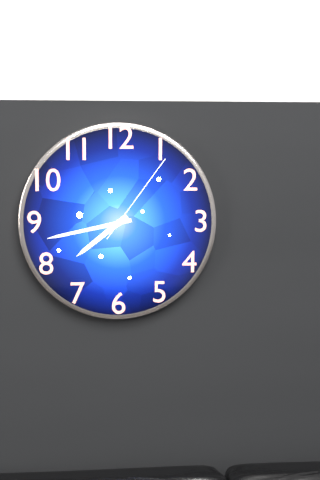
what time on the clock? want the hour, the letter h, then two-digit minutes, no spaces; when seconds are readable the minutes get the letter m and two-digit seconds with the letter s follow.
7h43m06s
